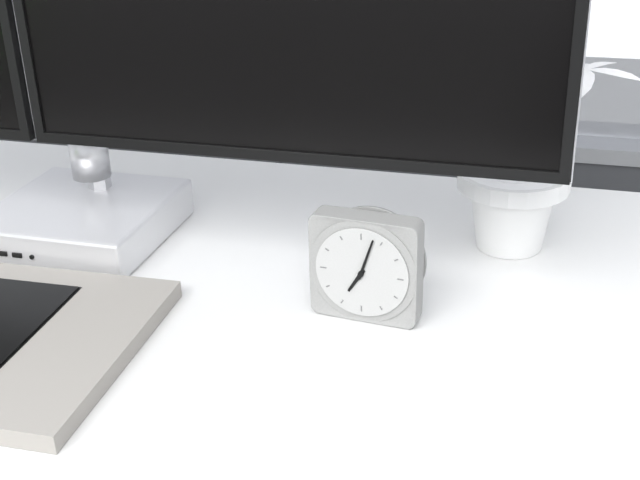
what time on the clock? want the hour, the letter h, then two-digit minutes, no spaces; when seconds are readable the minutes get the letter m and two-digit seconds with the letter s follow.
7h03
